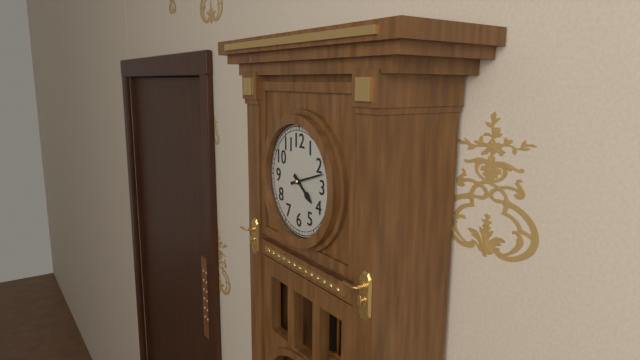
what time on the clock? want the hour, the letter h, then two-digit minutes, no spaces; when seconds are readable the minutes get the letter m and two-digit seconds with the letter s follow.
4h12
